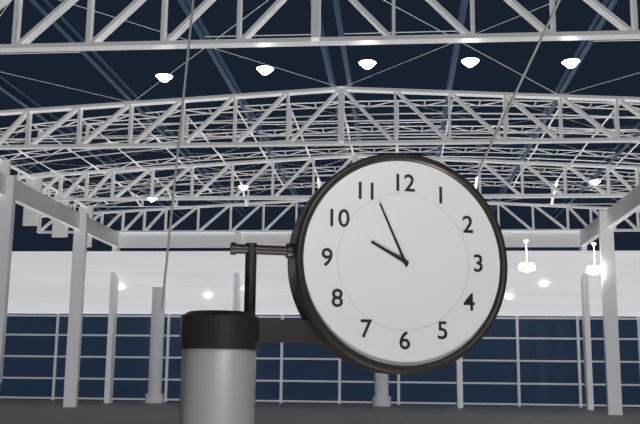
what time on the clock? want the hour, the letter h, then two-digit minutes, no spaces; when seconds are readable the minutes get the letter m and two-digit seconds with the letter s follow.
9h56
